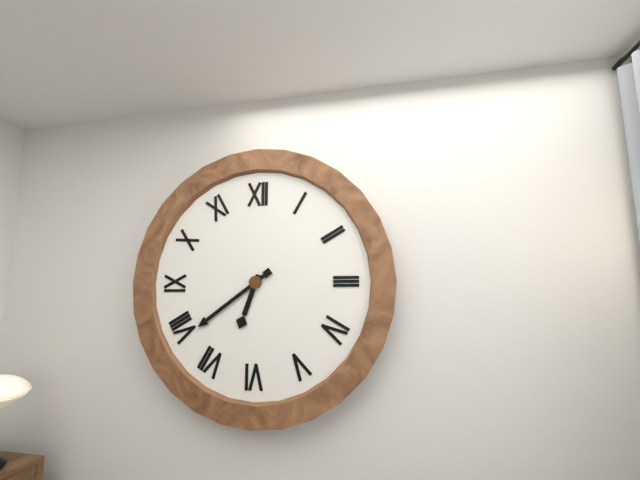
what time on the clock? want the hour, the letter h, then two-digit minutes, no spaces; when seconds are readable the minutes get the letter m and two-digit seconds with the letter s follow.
6h39
